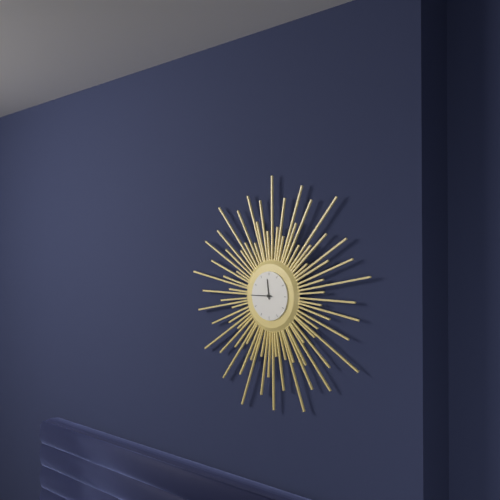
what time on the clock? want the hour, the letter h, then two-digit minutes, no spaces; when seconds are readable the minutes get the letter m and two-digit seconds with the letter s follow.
11h45
